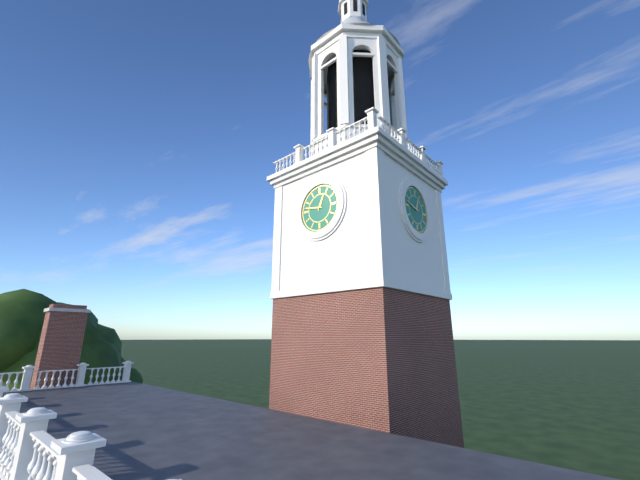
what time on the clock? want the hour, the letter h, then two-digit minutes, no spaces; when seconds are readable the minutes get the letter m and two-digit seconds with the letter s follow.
12h47
